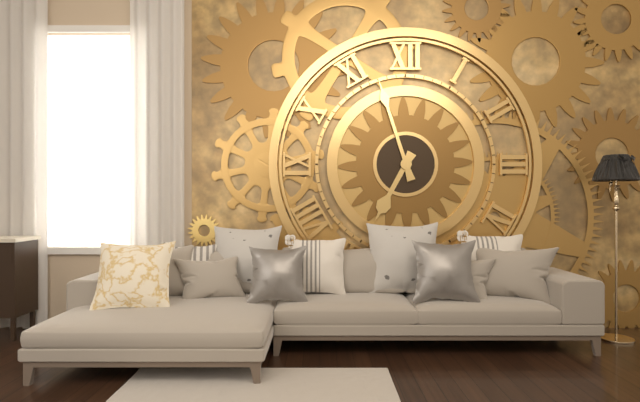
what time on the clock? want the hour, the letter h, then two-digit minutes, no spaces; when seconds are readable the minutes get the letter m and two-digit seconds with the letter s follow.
6h57
